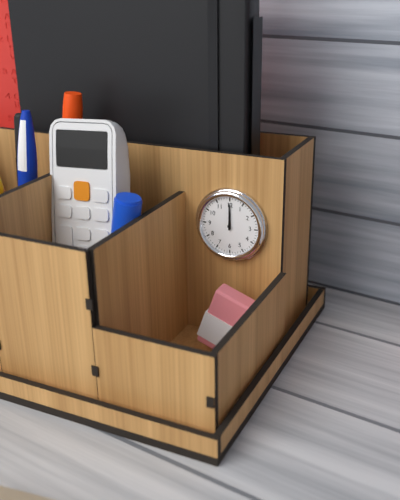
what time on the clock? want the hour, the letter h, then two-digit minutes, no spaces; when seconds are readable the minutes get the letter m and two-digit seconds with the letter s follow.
12h00
